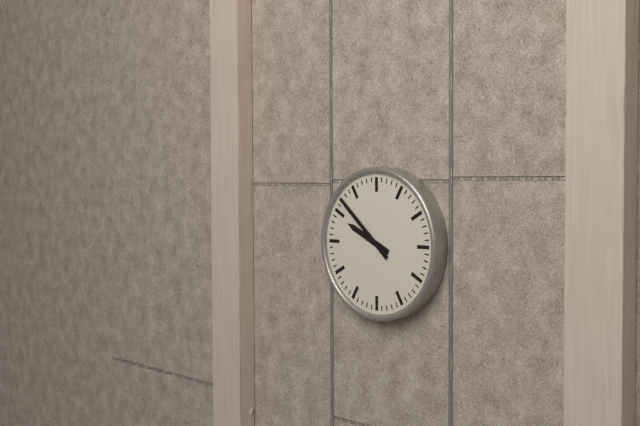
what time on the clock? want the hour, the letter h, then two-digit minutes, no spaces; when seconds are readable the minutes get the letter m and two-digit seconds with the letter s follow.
9h52
